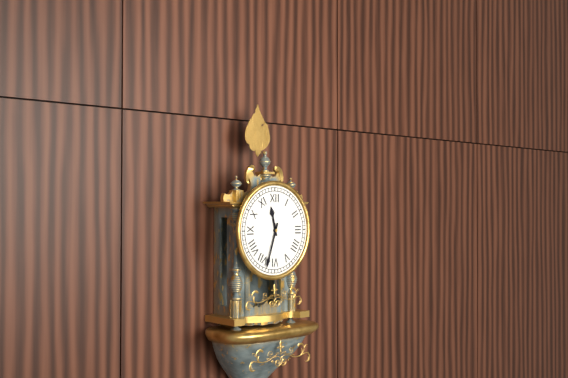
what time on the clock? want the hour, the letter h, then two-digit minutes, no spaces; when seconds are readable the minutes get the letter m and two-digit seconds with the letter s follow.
11h33
